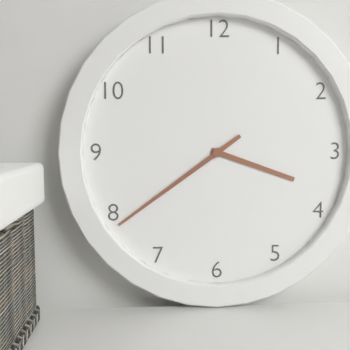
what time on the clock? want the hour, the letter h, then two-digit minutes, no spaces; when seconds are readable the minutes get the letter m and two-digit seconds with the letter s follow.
3h39
